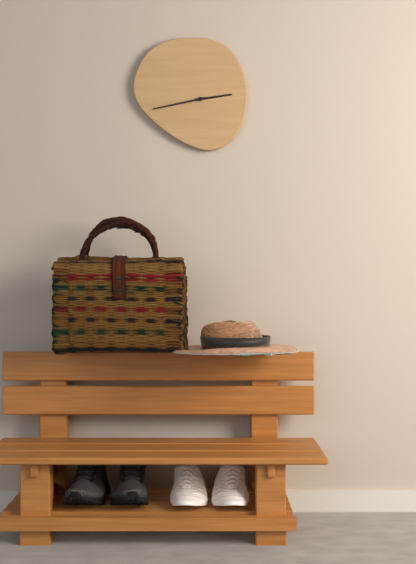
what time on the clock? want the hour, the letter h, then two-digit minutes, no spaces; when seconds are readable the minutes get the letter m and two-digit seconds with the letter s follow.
2h43
